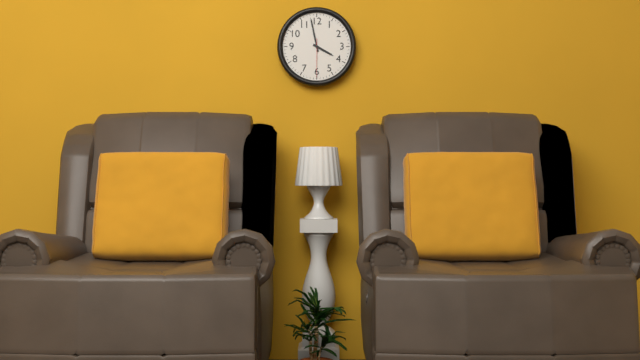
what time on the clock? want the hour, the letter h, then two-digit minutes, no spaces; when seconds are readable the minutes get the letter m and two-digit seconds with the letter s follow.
3h58
